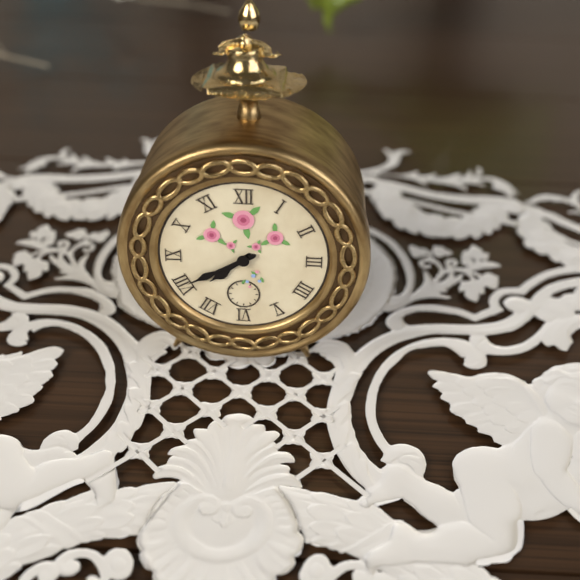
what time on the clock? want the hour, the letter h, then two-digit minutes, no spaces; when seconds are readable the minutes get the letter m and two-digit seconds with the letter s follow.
7h40
